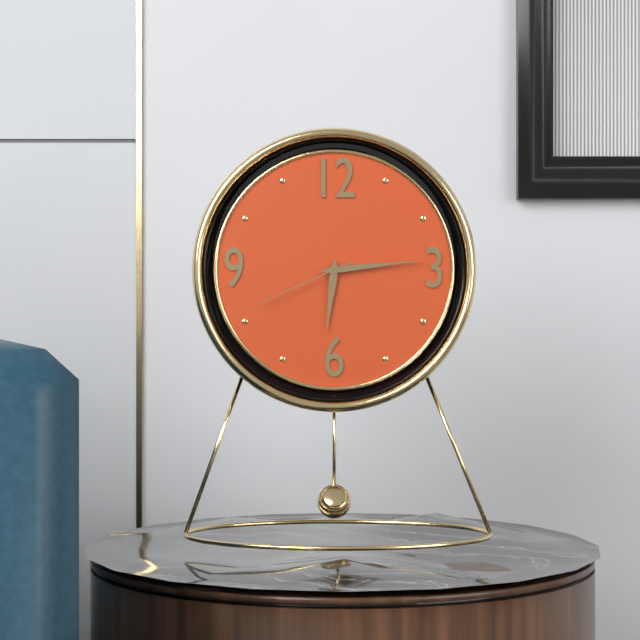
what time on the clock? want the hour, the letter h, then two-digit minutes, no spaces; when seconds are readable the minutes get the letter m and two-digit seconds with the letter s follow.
6h14m41s
